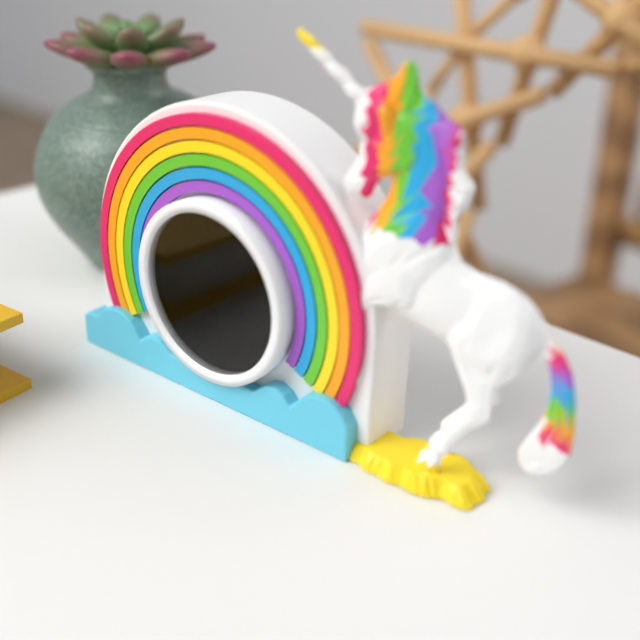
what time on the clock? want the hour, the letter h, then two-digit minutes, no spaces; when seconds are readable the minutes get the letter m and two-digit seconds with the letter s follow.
4h42
